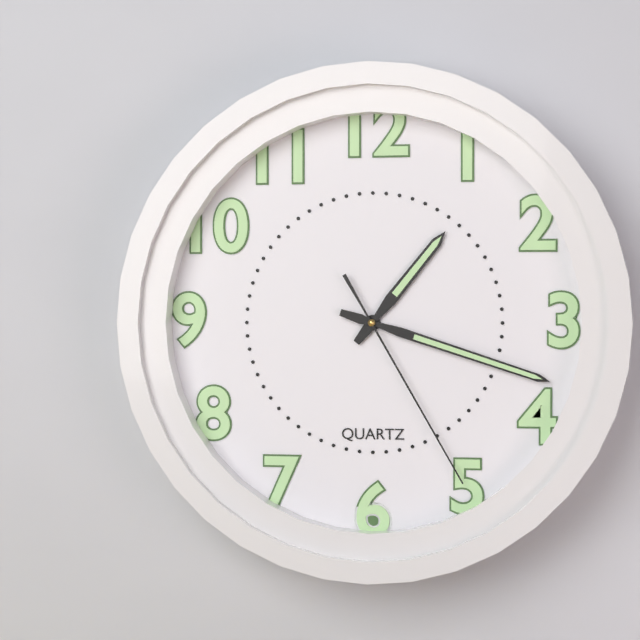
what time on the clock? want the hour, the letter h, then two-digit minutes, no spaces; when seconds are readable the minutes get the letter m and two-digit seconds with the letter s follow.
1h18m25s
